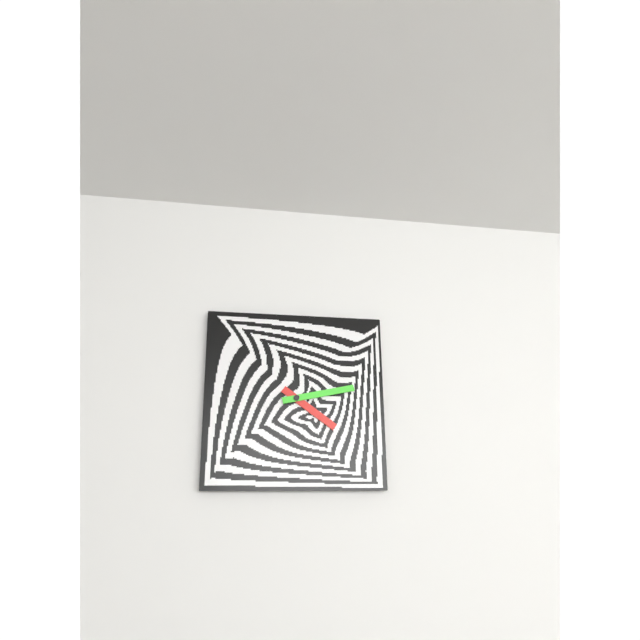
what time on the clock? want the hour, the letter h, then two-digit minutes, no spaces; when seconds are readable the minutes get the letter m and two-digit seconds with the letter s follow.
4h13
